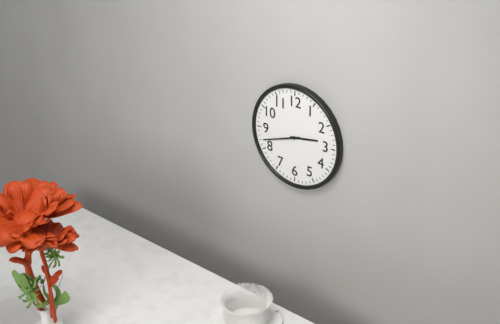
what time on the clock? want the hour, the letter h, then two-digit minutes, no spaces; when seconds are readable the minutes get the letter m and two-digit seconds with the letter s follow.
2h42
